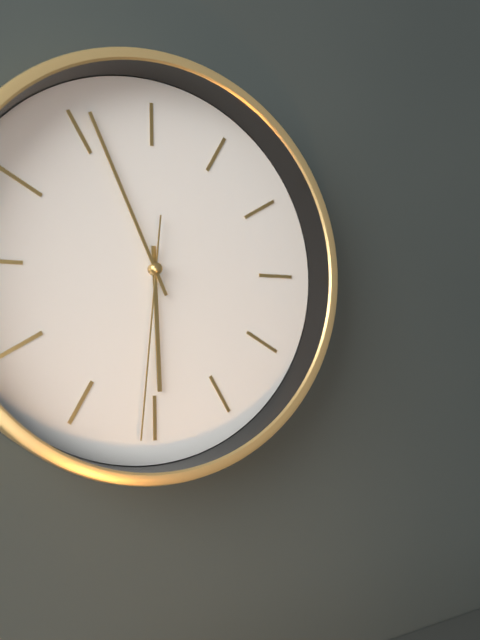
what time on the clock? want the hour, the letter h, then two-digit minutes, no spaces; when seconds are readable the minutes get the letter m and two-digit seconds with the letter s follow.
5h56m31s
